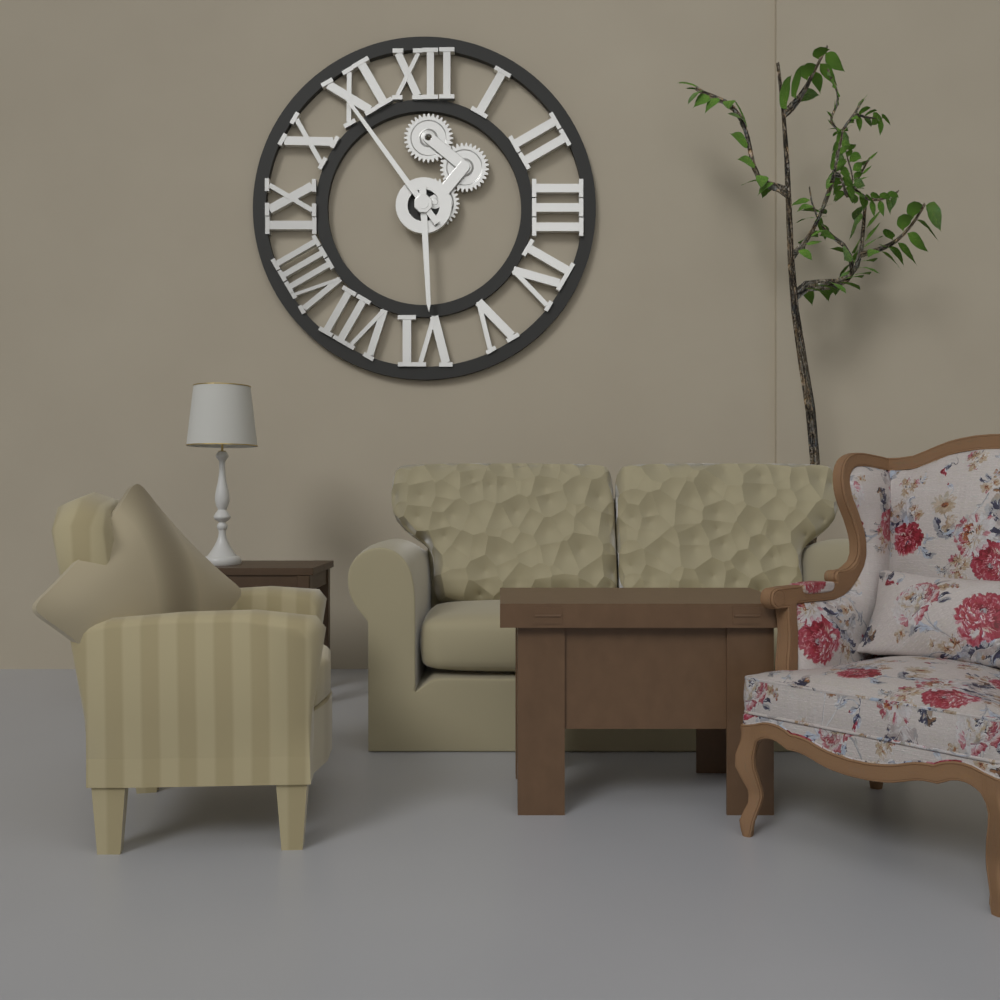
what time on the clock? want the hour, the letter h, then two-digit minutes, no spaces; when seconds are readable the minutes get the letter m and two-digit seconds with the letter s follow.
5h54
